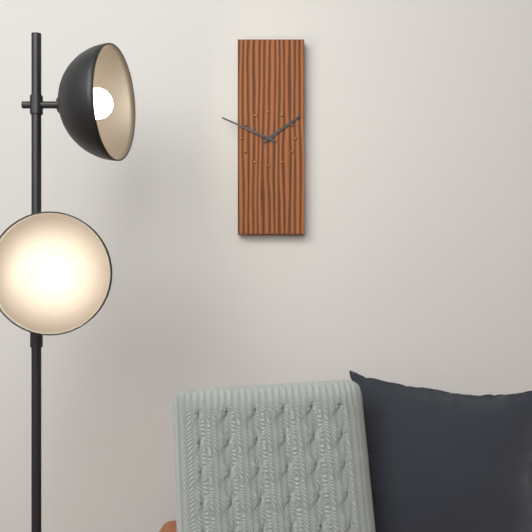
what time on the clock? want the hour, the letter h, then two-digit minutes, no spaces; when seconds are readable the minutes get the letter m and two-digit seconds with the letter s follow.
1h49
